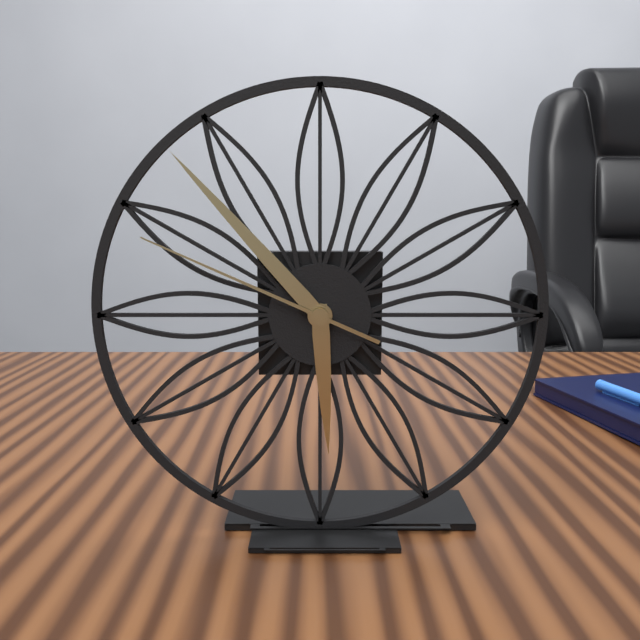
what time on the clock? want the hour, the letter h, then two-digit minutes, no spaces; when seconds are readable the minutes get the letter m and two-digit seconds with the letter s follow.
5h53m49s
